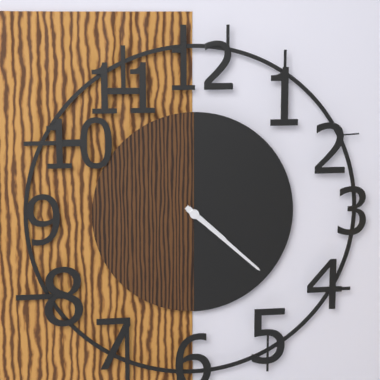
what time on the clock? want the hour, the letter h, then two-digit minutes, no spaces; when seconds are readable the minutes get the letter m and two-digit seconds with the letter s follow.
4h22
